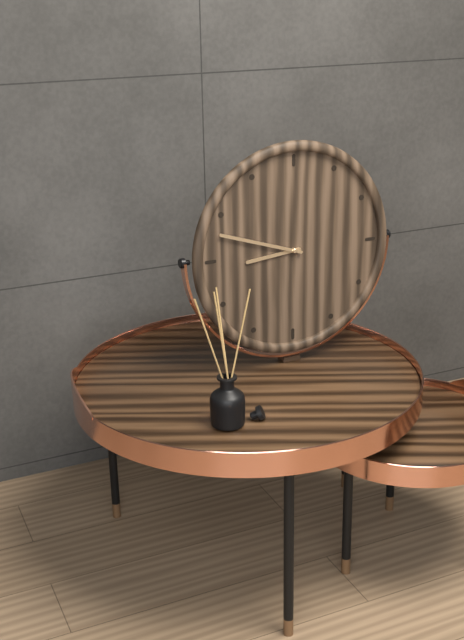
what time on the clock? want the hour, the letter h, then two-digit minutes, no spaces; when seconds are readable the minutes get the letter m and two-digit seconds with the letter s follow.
8h48
